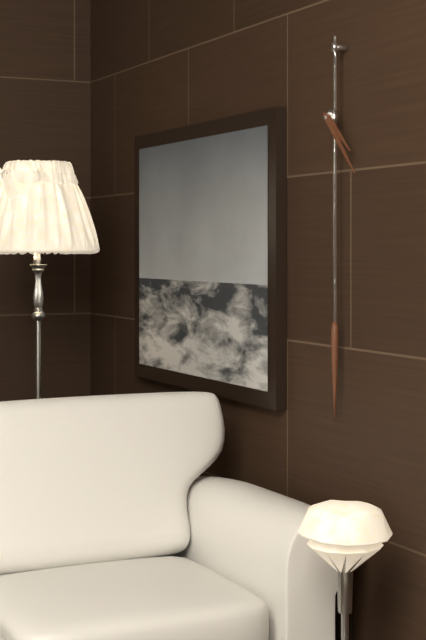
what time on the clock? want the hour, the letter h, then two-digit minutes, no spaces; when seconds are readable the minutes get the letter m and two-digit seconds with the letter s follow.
4h23
